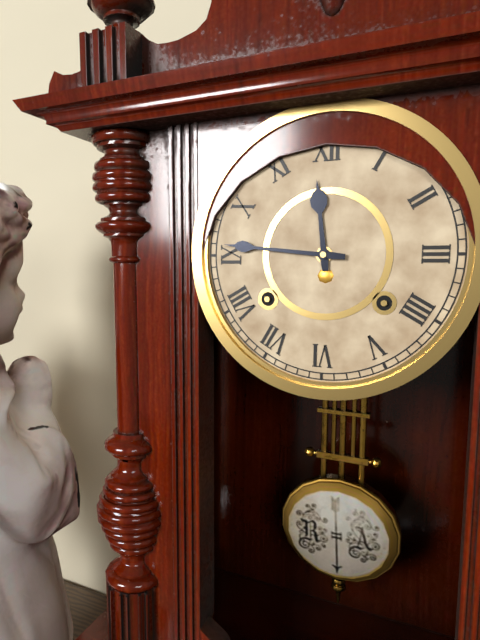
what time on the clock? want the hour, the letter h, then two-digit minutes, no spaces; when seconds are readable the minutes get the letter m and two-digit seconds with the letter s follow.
11h46
